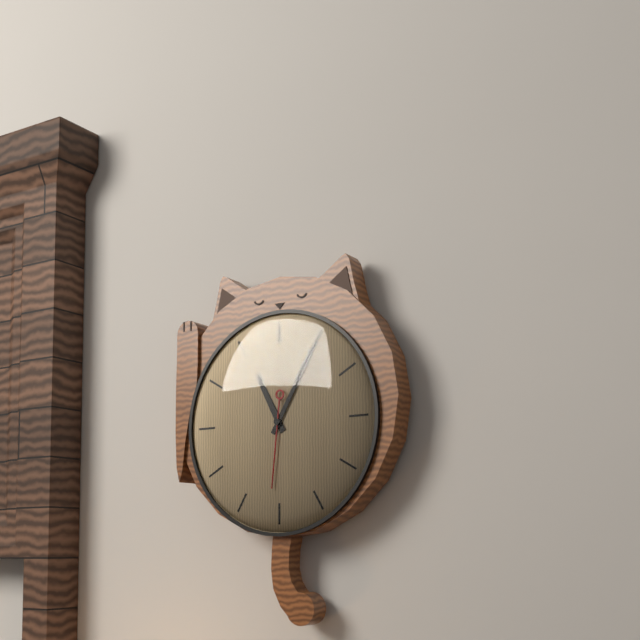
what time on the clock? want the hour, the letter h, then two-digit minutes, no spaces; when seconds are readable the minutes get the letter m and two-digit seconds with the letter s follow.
11h05m31s
